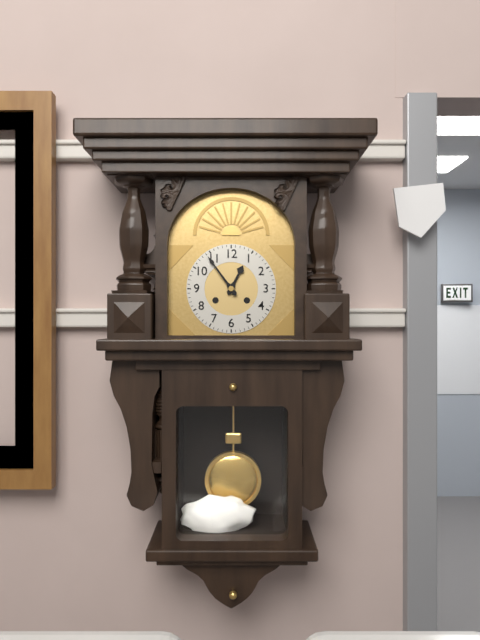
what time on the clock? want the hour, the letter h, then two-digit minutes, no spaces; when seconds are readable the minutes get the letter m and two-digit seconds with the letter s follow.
12h54
